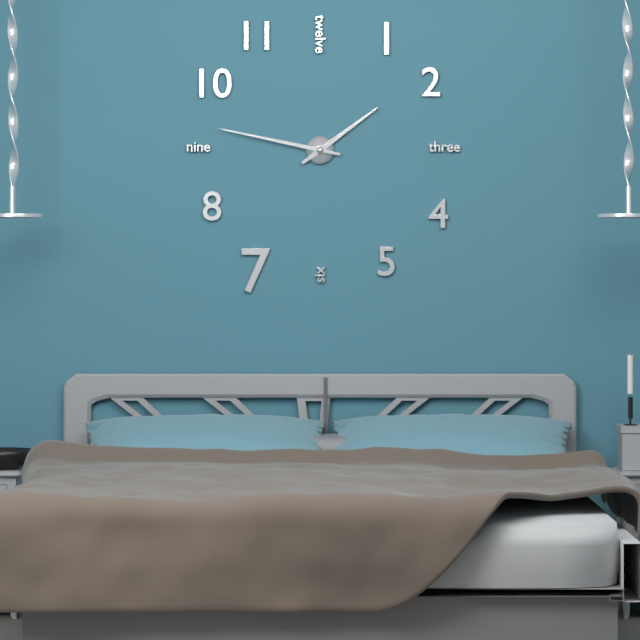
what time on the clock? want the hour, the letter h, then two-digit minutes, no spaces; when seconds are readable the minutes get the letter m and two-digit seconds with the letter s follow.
1h47
